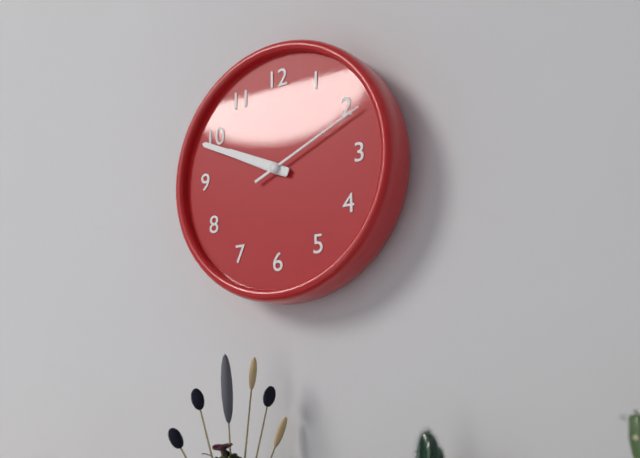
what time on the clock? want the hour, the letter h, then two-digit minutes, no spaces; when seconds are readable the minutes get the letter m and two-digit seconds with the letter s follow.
9h49m11s
